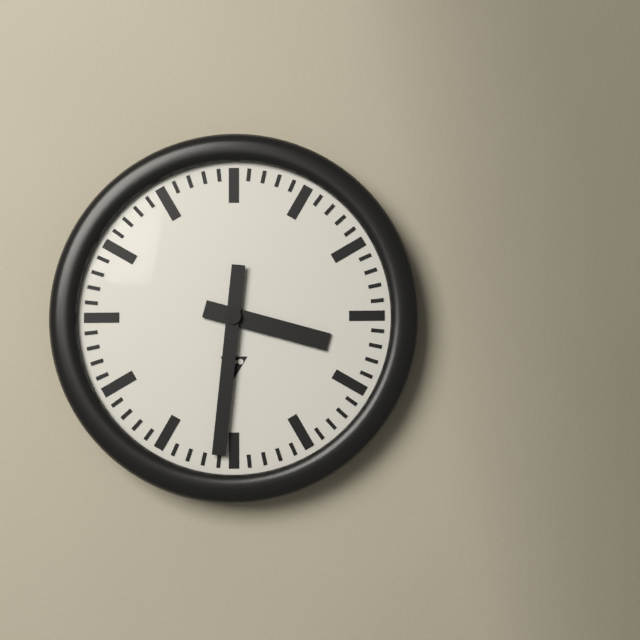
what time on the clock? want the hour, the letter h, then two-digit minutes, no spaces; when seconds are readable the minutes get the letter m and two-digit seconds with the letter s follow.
3h31
